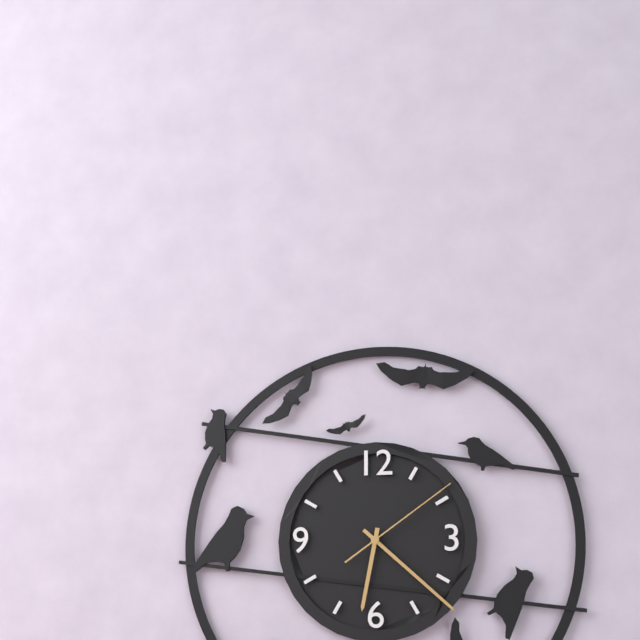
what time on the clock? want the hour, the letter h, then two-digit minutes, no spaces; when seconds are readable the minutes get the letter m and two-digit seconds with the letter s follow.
6h22m09s
